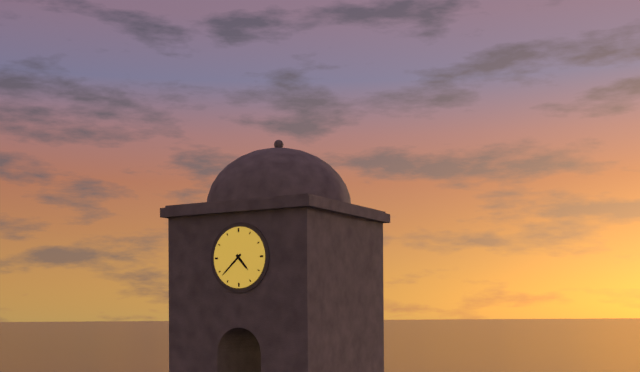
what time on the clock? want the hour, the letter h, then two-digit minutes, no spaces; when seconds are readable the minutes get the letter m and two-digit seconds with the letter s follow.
4h38
